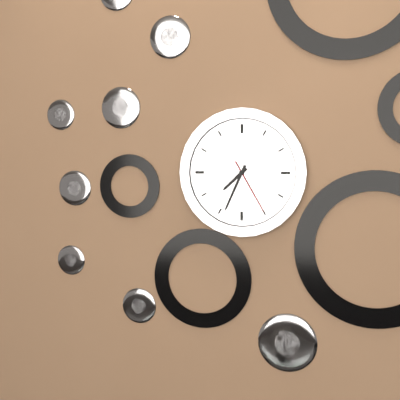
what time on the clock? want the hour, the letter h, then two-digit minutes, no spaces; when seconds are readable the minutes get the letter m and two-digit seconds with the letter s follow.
7h34m25s
